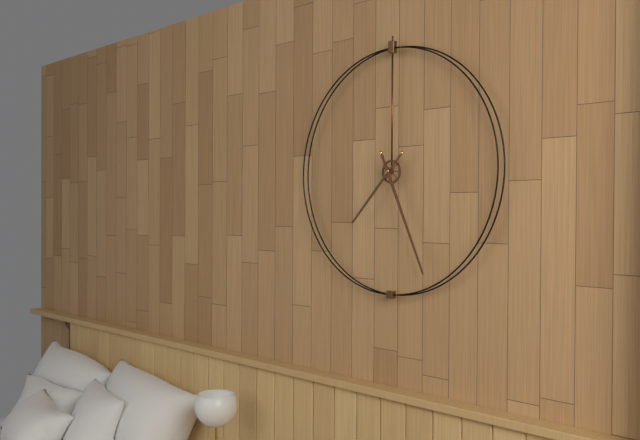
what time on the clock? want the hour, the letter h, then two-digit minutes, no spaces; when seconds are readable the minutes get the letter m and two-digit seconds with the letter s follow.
7h26
